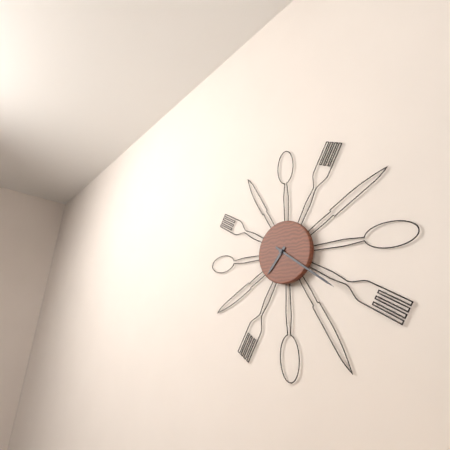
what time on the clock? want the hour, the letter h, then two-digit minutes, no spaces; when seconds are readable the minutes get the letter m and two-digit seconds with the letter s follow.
7h21
